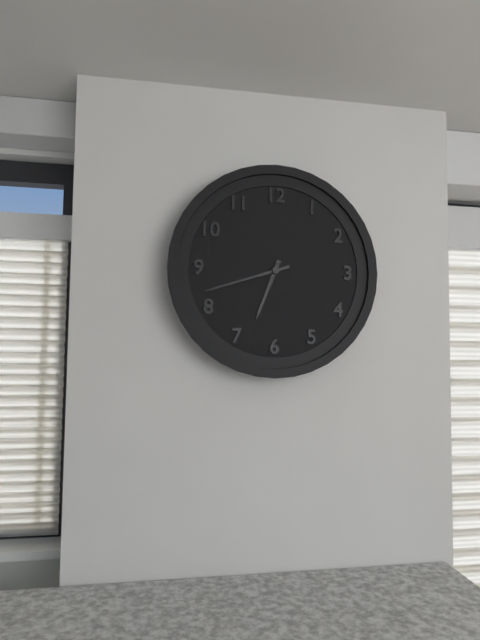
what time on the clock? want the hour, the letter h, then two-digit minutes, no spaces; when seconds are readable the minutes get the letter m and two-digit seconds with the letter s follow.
6h42
